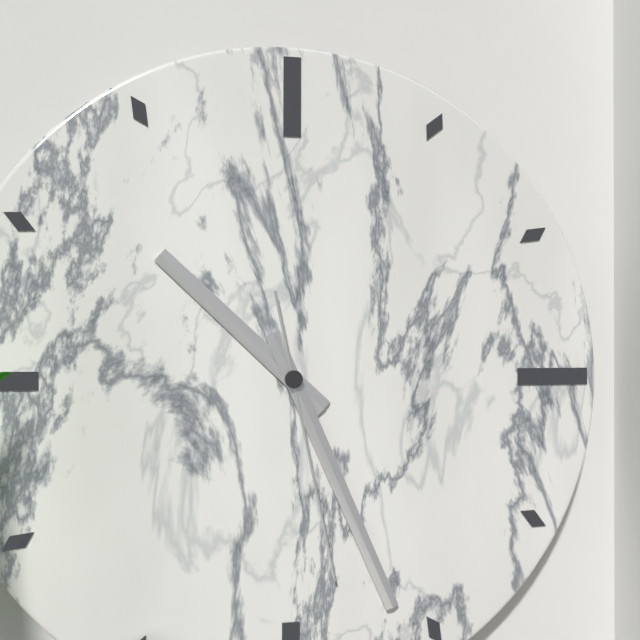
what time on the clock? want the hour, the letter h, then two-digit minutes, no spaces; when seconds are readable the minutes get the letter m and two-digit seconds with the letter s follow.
10h26m28s
